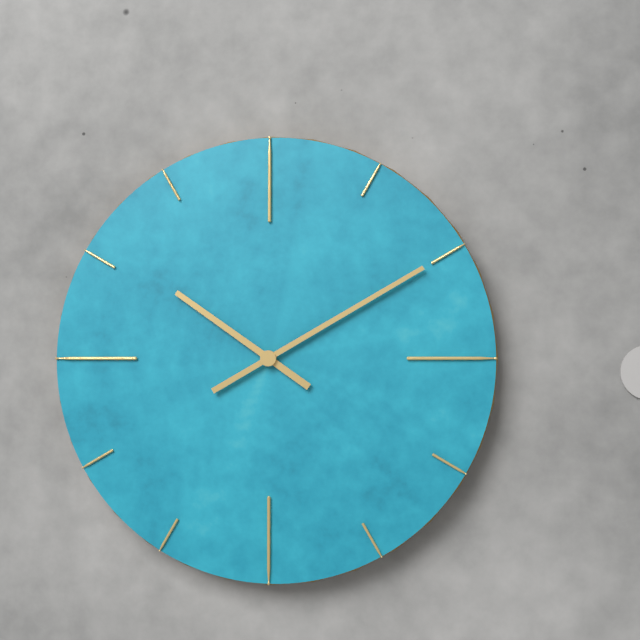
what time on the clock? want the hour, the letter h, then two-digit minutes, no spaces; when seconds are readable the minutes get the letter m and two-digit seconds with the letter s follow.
10h10
